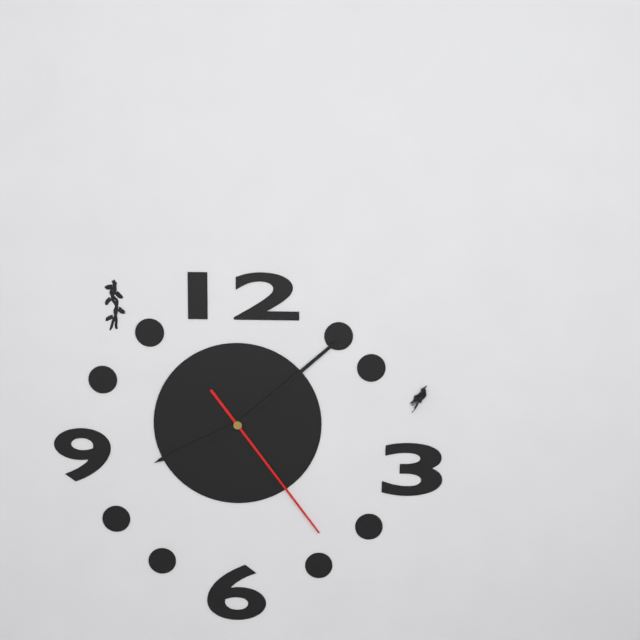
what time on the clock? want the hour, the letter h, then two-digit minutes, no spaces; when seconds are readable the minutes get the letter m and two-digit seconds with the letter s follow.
8h08m24s
